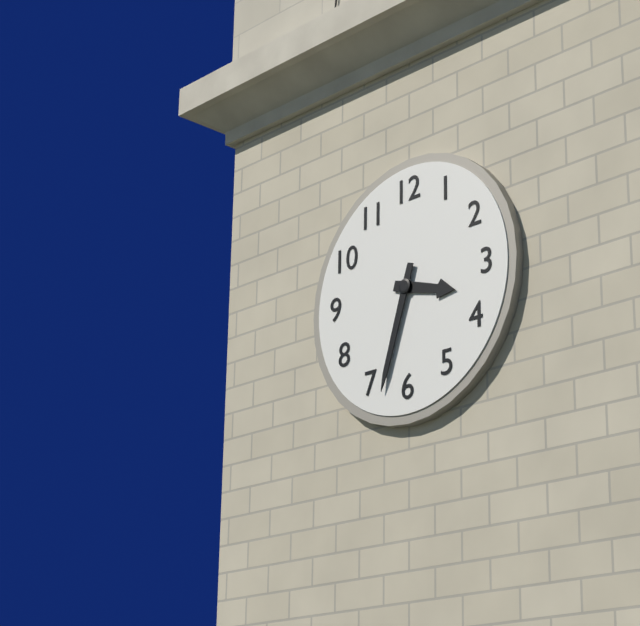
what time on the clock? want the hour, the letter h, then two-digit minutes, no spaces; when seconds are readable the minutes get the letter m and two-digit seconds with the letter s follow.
3h33
